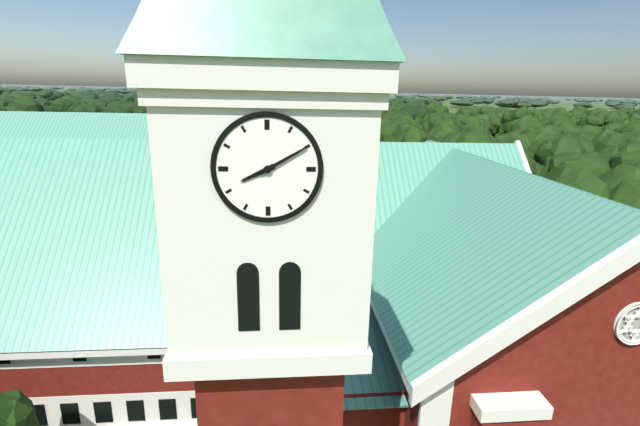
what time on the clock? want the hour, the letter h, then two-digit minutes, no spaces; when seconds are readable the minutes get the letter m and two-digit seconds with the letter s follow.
8h10
